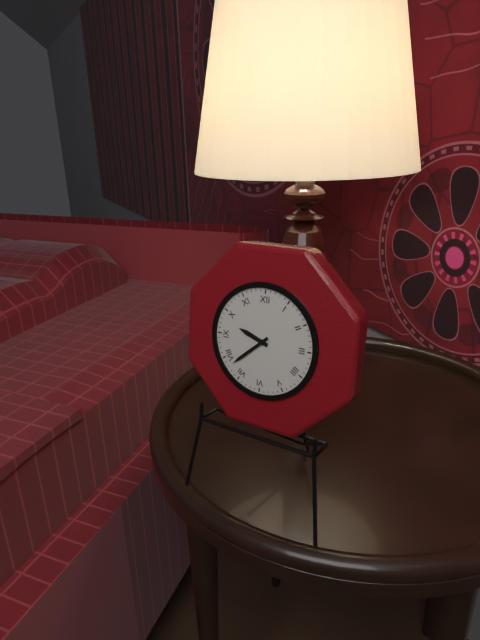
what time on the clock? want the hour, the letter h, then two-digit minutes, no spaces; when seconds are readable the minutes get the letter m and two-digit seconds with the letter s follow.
9h38
